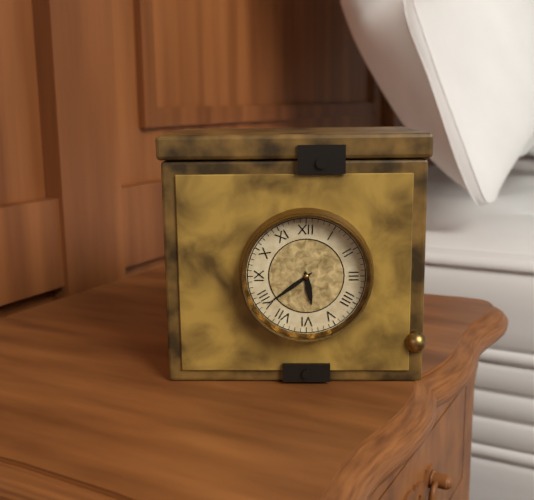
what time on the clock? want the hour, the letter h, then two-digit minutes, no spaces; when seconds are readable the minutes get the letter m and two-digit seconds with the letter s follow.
5h39
